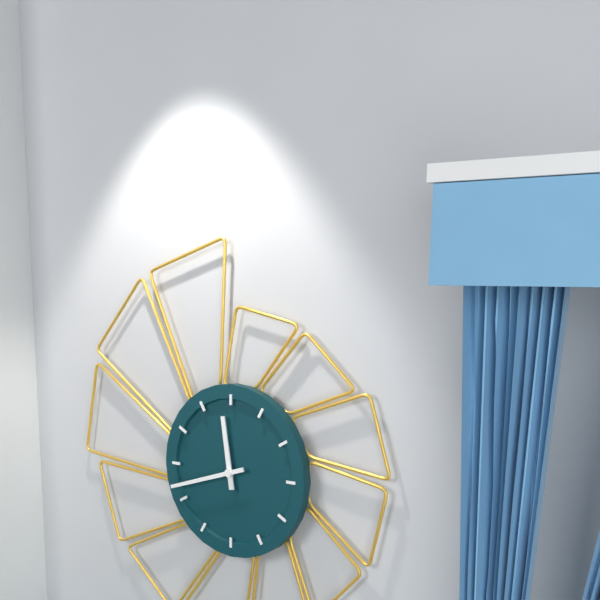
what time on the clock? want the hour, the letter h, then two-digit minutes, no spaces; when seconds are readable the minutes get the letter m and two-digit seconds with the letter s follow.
11h42
